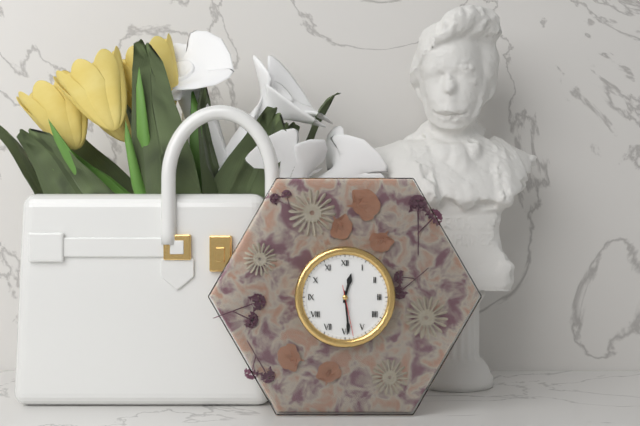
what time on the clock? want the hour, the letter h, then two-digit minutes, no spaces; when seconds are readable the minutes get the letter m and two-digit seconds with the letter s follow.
12h29
